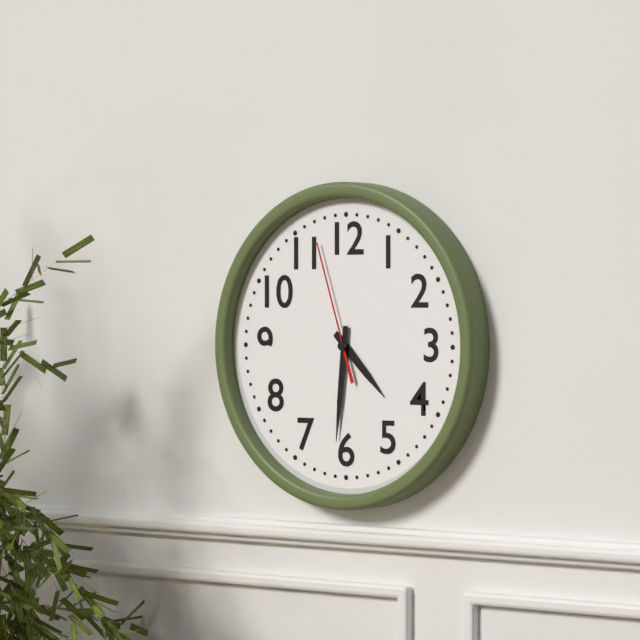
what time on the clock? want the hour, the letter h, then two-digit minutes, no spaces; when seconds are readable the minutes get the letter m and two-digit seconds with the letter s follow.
4h31m57s
